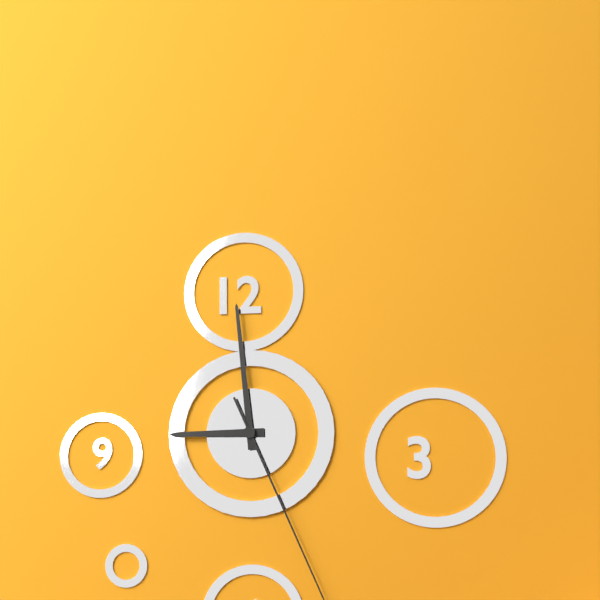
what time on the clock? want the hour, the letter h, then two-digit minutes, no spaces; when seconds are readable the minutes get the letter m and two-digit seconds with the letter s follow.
8h59
